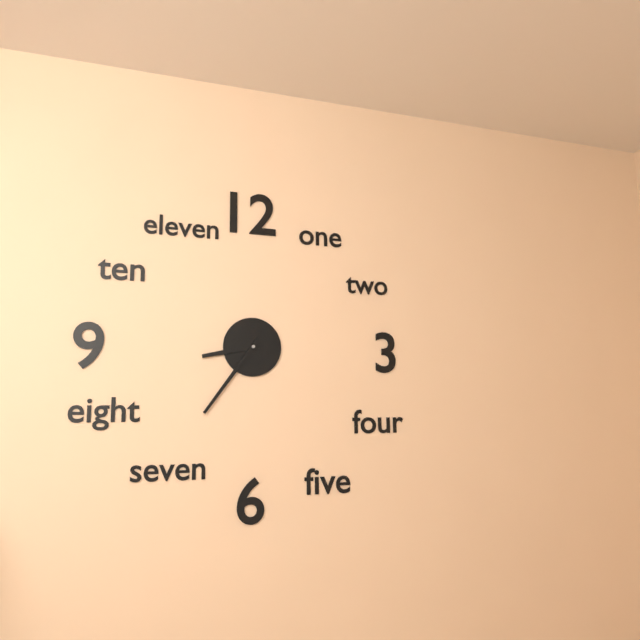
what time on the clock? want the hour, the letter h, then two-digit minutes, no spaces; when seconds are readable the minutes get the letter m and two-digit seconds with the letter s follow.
8h36
